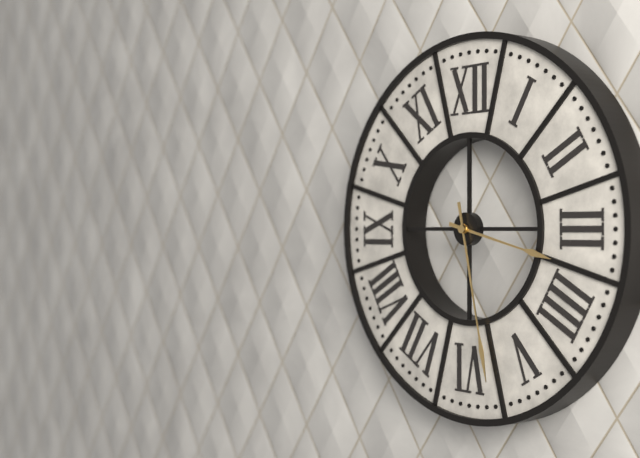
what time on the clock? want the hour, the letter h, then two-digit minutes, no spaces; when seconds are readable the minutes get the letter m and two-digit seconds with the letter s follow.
3h28
